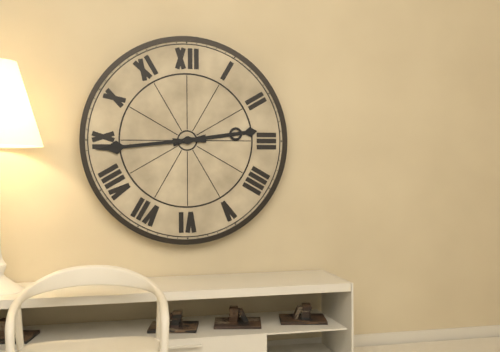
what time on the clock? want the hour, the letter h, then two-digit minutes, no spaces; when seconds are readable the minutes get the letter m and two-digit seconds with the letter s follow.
2h44
